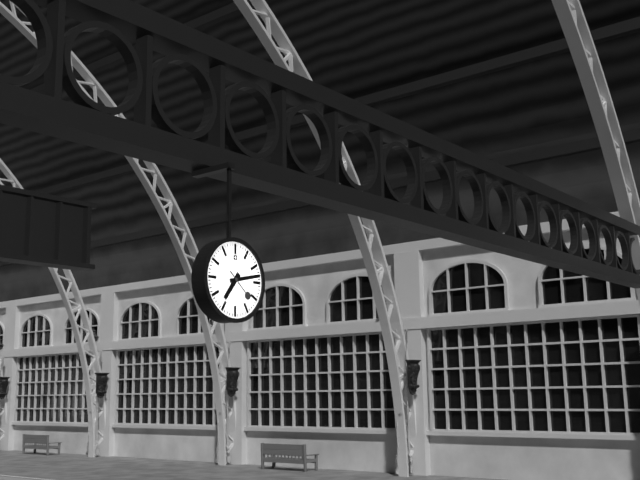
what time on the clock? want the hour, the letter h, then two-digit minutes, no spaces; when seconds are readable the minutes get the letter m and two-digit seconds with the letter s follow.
7h13
